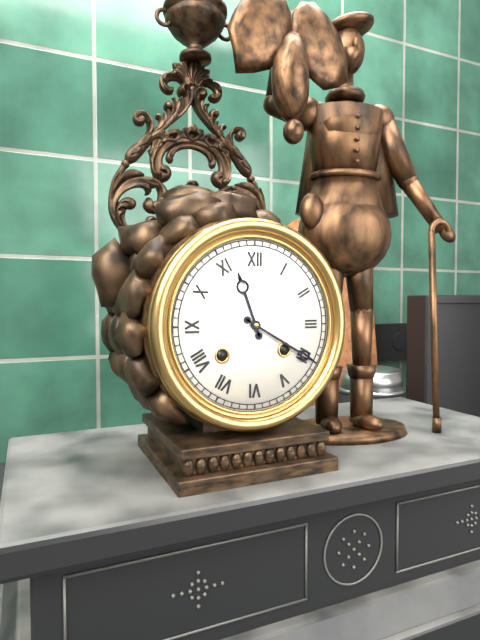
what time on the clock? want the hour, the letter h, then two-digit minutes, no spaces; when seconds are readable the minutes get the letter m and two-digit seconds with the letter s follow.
11h20
